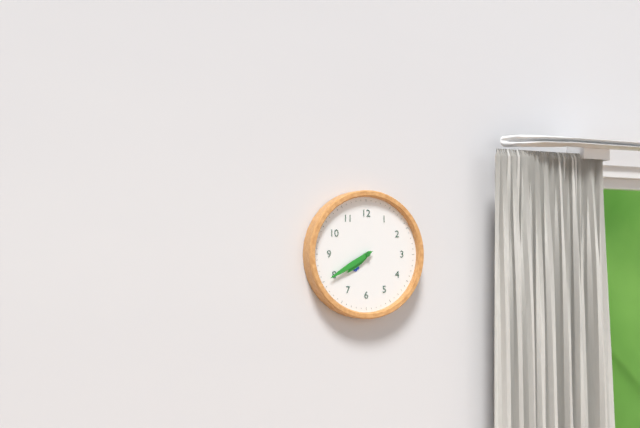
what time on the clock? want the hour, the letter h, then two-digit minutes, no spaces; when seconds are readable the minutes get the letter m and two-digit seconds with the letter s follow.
7h40
